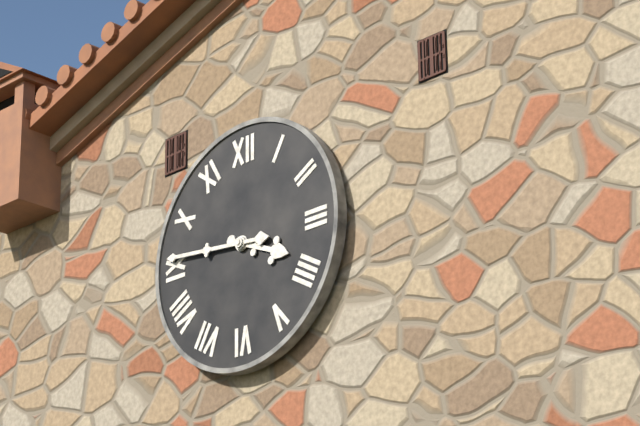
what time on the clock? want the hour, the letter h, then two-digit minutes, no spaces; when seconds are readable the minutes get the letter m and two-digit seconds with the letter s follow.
3h46
